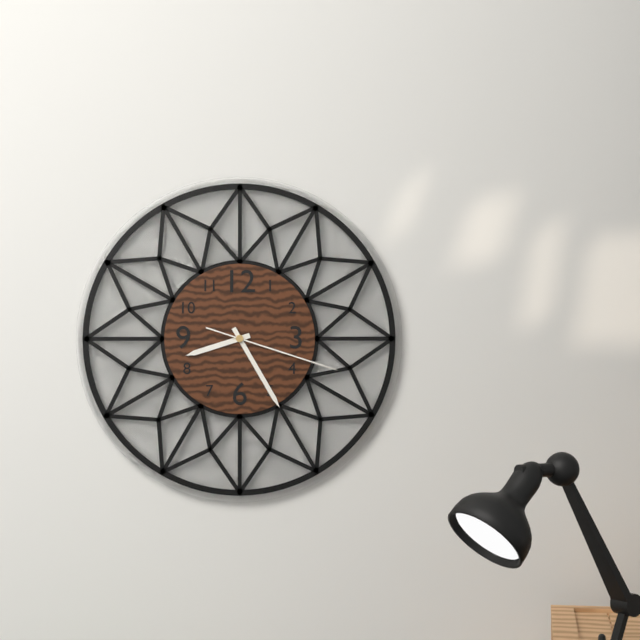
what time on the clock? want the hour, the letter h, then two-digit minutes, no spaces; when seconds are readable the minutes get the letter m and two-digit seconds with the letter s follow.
8h25m18s
